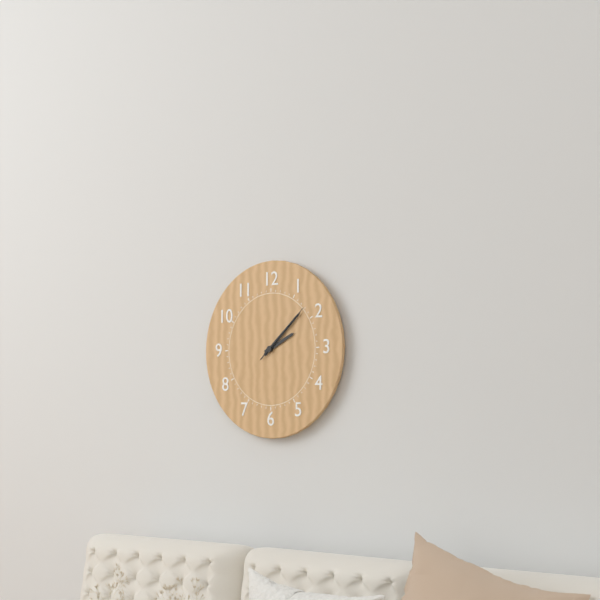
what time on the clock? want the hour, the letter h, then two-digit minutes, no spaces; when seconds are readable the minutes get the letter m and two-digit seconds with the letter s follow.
2h08m08s
